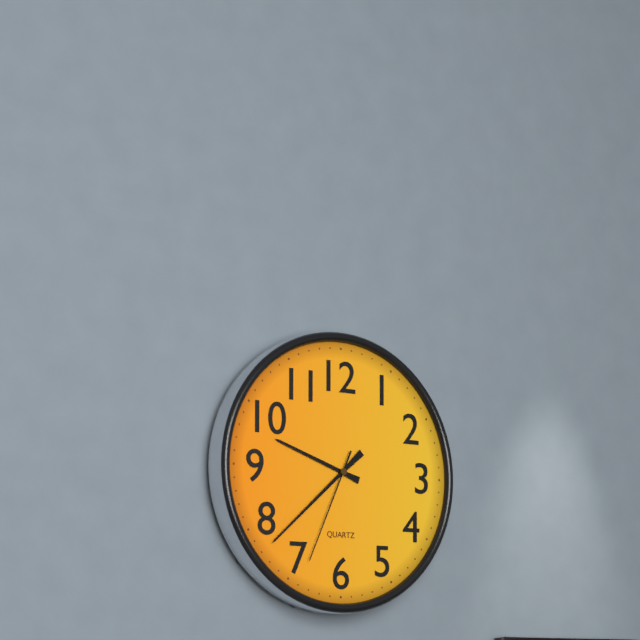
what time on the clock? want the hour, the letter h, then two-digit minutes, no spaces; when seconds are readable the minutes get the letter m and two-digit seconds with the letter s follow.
9h38m34s
